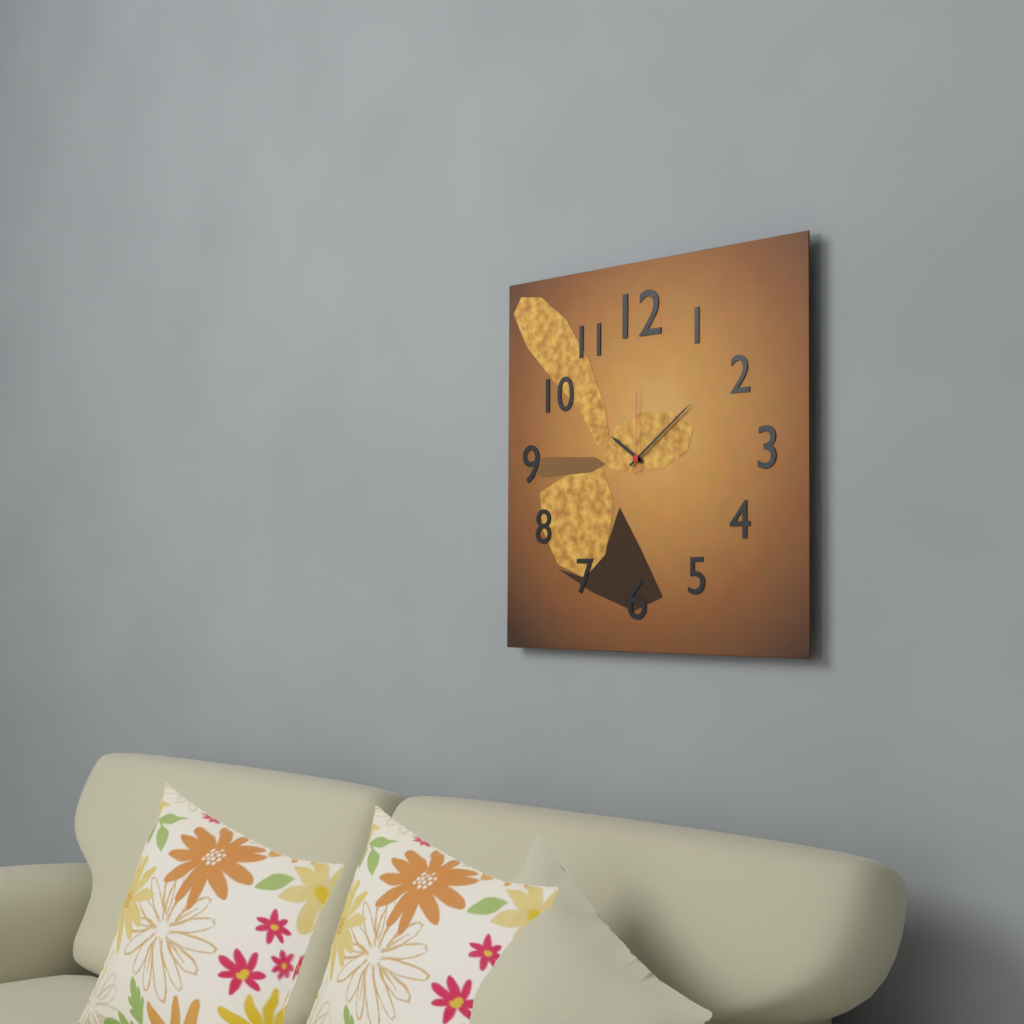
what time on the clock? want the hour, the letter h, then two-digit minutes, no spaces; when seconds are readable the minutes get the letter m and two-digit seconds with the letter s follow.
10h09m00s
